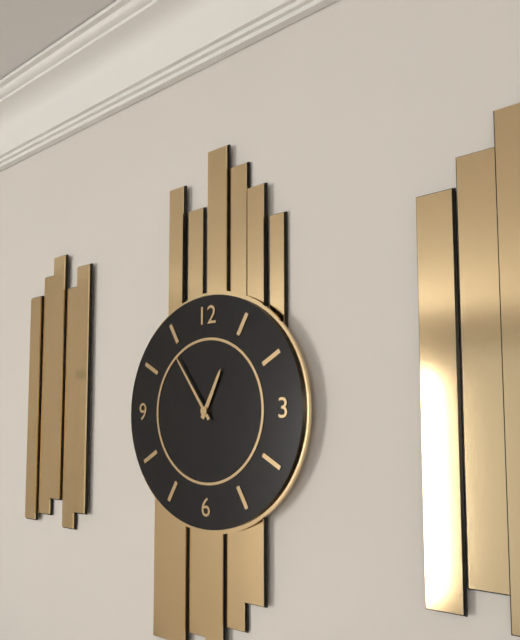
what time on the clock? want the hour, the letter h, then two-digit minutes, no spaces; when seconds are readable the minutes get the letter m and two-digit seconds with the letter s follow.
12h54
